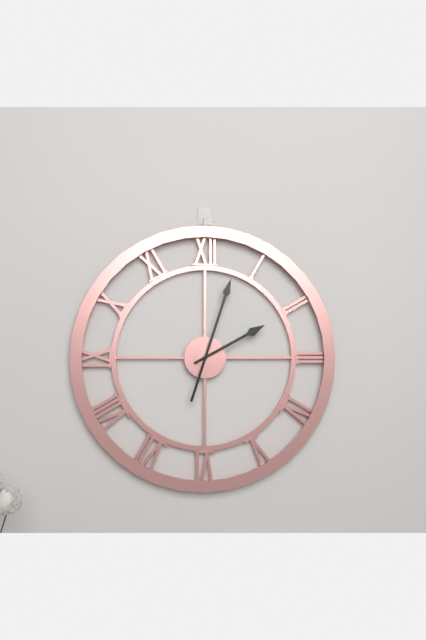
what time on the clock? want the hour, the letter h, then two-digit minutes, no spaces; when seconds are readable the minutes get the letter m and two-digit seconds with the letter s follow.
2h03
